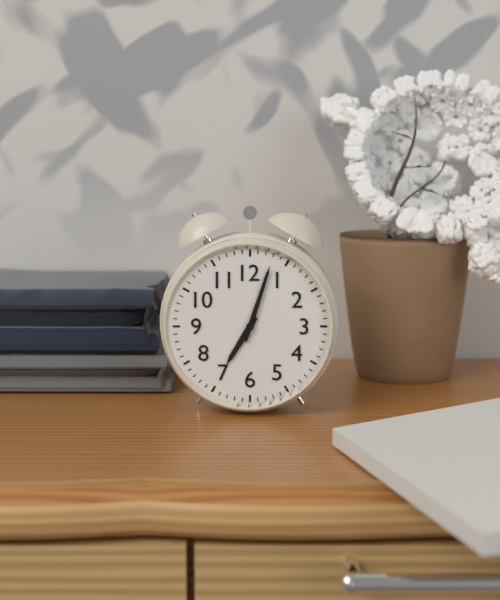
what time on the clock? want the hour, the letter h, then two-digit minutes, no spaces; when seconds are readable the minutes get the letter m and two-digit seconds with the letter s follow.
7h03
